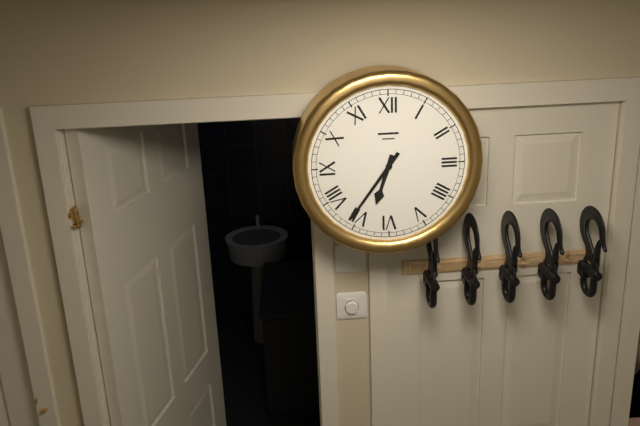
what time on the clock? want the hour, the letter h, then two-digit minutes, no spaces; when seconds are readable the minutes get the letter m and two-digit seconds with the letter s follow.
6h36
